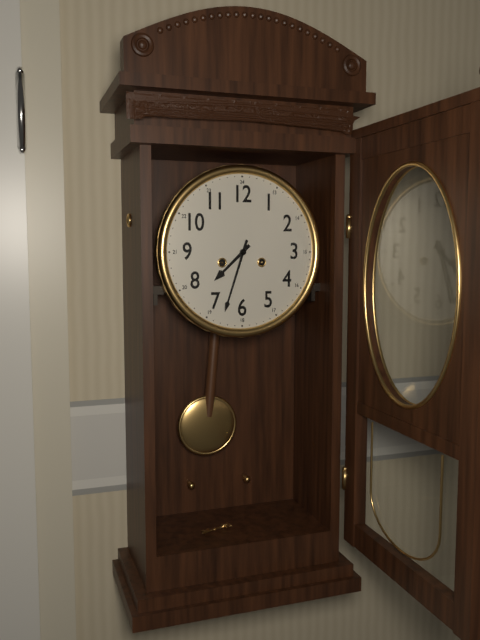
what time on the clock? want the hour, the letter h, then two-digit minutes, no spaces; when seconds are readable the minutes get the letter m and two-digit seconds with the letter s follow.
7h33
